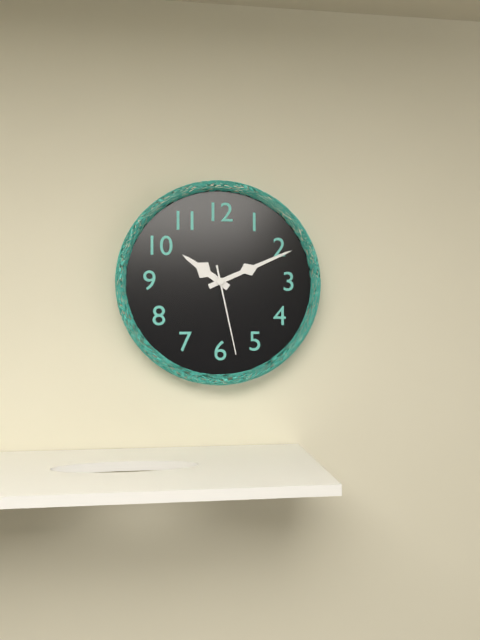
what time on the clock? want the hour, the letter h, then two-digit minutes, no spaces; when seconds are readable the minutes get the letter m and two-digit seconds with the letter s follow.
10h11m28s
